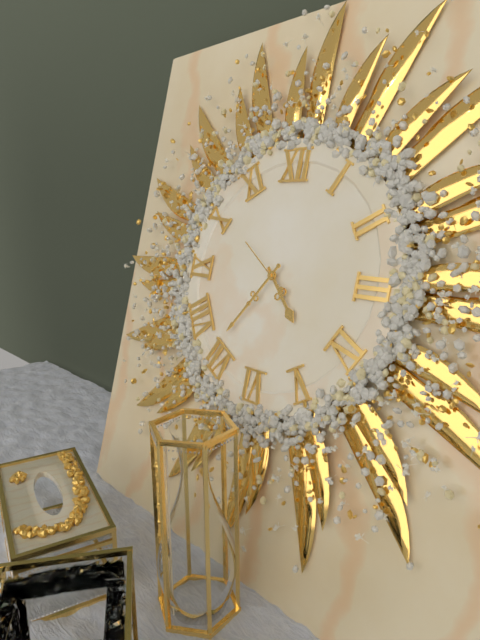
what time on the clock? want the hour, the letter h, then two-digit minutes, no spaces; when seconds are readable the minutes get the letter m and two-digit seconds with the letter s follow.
4h36m51s
